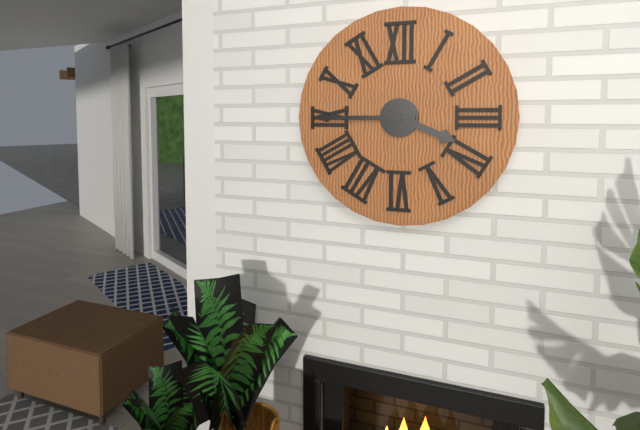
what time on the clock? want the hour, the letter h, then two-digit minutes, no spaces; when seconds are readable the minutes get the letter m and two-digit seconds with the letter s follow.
3h45
